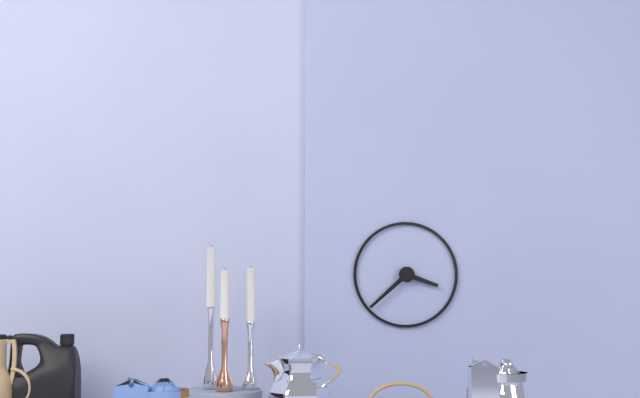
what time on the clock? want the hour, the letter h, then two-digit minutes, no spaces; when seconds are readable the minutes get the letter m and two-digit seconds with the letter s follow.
3h38
